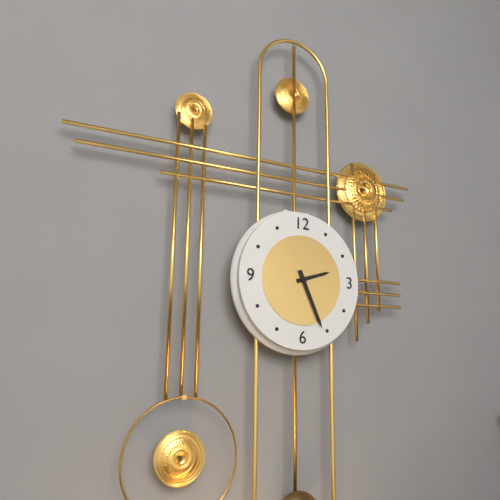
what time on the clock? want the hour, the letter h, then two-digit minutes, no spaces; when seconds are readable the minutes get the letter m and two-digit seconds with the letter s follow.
2h26
